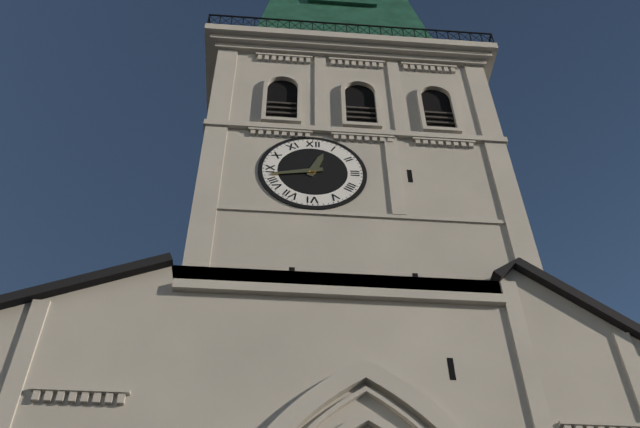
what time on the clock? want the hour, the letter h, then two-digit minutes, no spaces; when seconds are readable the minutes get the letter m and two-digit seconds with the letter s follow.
12h43
